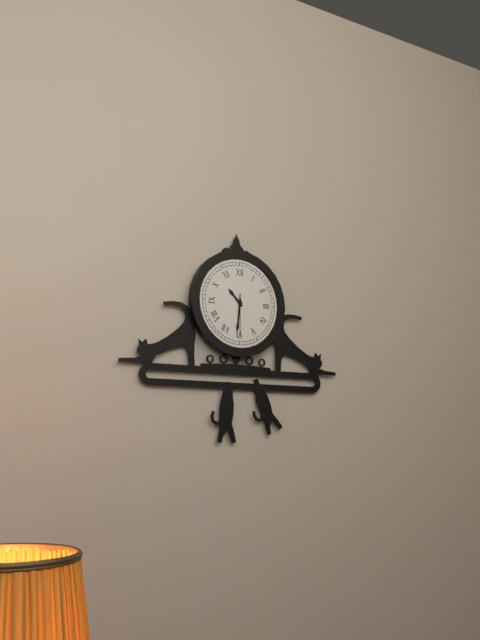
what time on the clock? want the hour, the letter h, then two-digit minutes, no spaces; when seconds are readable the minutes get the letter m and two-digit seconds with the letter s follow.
10h31
